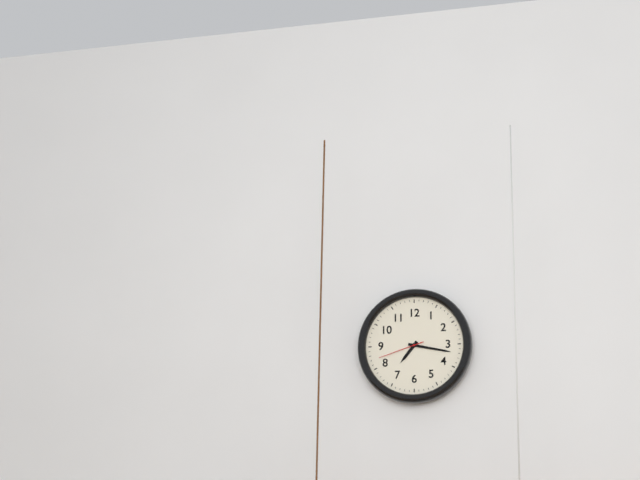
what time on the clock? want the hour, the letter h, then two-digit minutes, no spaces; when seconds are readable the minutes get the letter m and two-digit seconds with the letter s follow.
7h17
